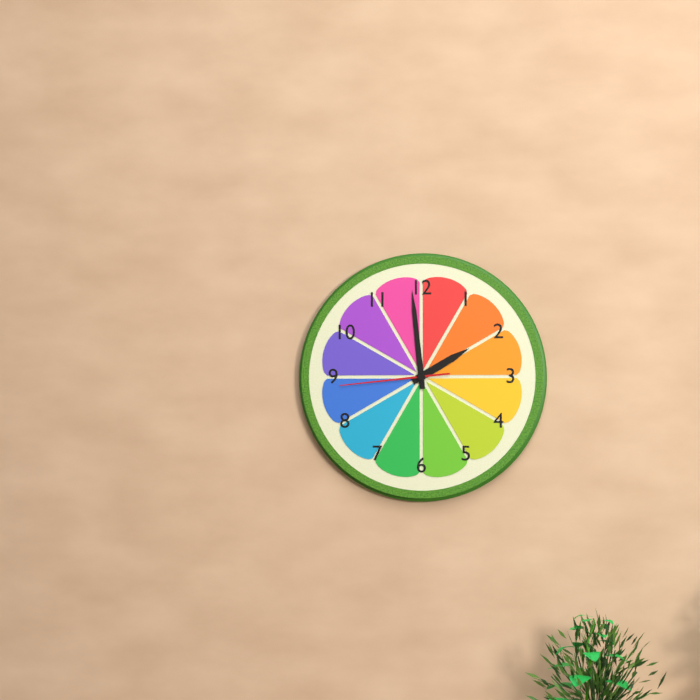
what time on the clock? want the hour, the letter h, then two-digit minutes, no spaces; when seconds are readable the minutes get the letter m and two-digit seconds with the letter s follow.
1h59m44s
